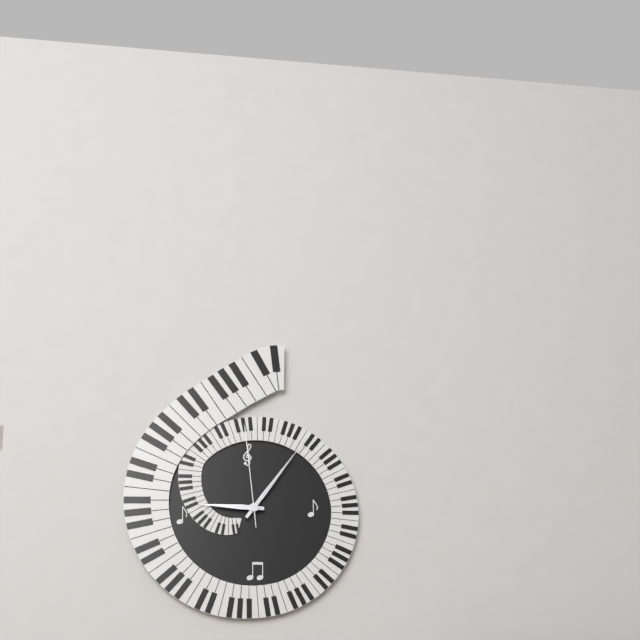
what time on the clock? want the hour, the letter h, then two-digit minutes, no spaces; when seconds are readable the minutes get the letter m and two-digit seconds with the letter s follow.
9h06m59s
